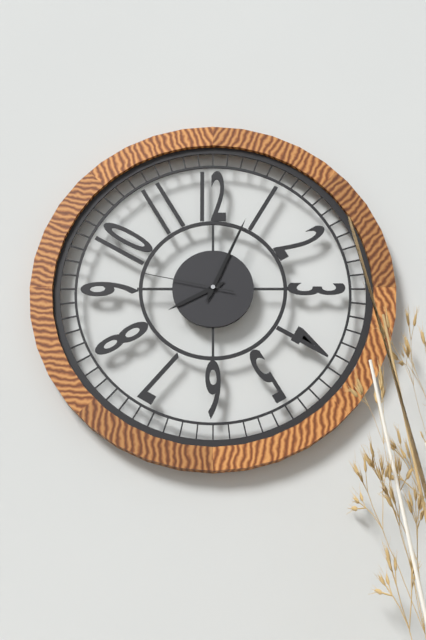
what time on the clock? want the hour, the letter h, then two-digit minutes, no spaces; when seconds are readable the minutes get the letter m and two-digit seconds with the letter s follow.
8h04m47s
